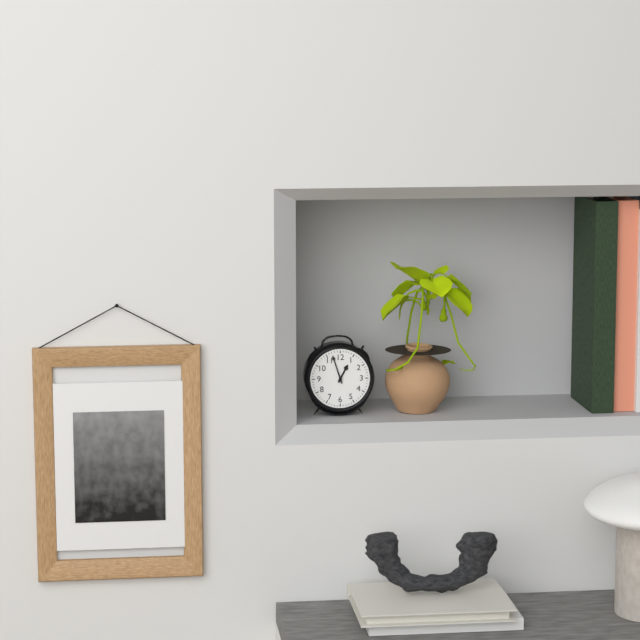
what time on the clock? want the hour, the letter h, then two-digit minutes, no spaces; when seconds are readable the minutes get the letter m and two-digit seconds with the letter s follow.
12h57
